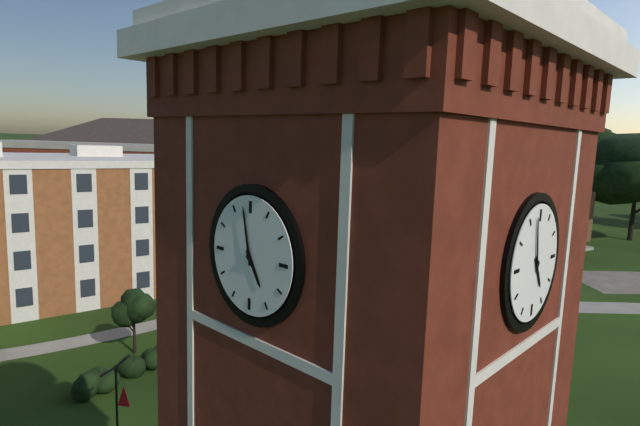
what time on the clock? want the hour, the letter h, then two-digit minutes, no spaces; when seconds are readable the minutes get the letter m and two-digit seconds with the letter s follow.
4h58
